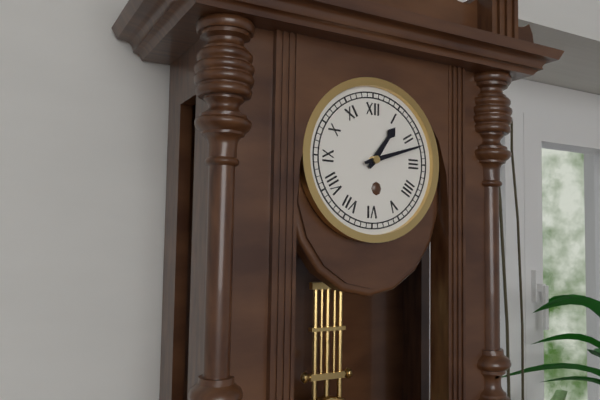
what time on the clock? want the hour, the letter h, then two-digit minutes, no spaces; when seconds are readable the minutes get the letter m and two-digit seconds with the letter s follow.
1h12
